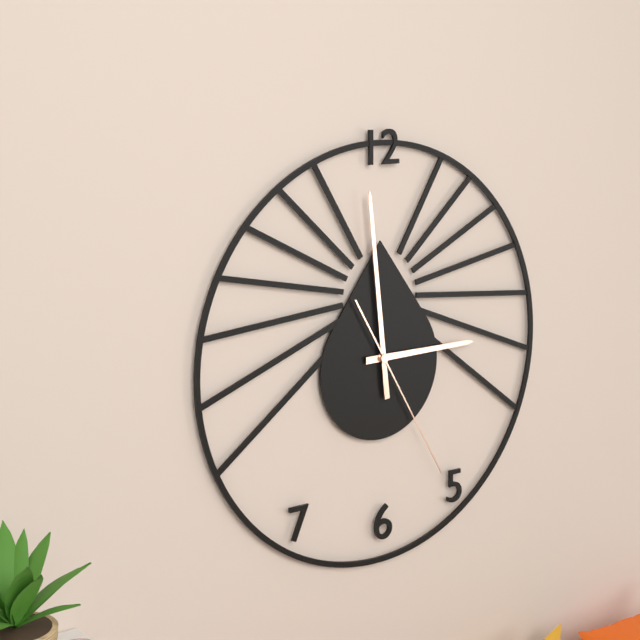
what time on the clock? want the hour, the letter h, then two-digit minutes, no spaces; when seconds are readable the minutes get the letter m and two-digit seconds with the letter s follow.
2h59m25s
